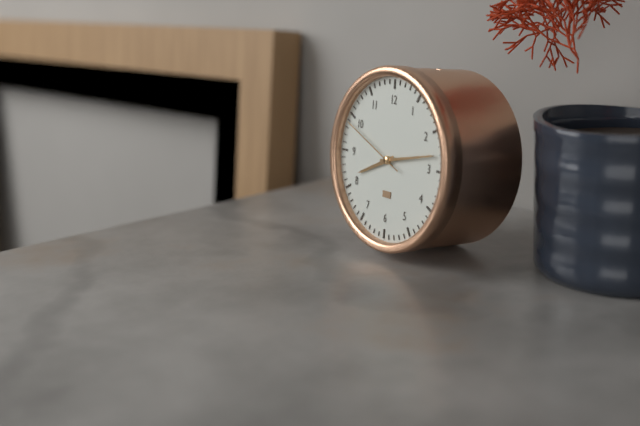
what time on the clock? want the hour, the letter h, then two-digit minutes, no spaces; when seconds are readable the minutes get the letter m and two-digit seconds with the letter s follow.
8h13m49s
